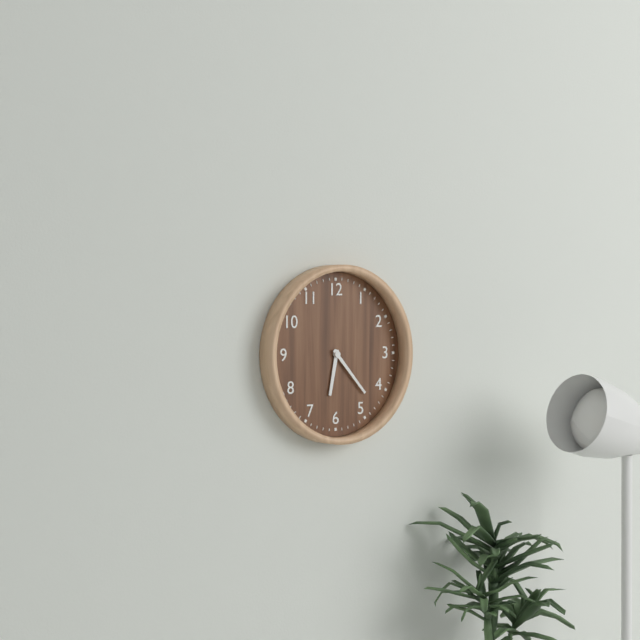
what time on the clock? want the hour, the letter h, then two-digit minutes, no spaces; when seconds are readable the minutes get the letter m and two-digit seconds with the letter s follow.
6h23
